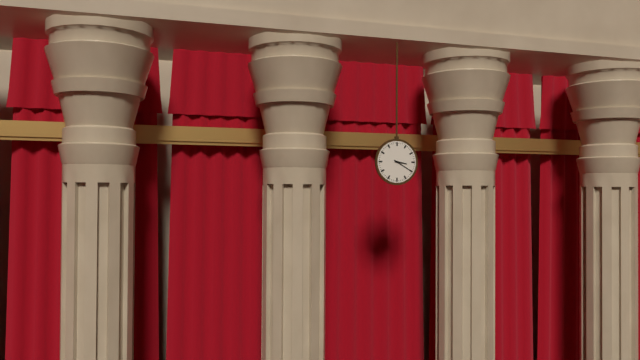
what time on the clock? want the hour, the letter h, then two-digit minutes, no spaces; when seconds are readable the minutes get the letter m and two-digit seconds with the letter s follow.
3h20
